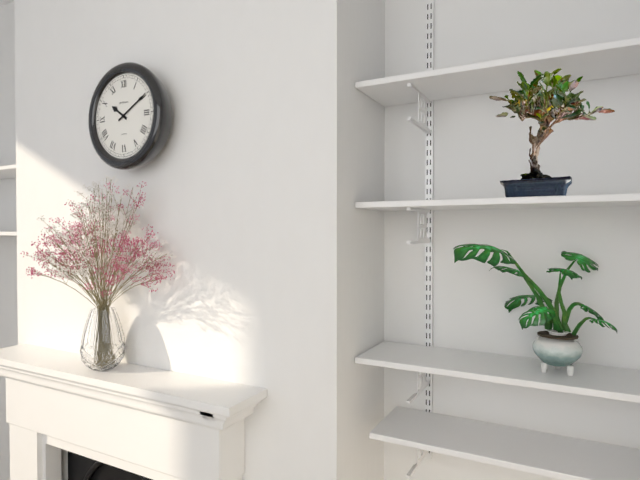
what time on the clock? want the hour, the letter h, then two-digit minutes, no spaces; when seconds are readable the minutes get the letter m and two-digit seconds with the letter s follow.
10h10
